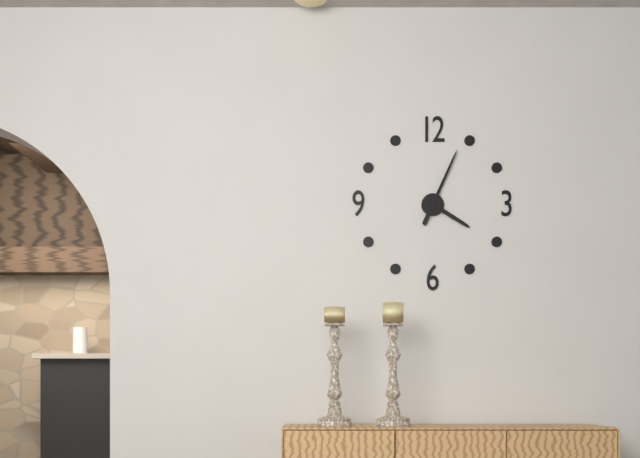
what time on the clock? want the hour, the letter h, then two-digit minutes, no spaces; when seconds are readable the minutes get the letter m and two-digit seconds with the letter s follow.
4h04
